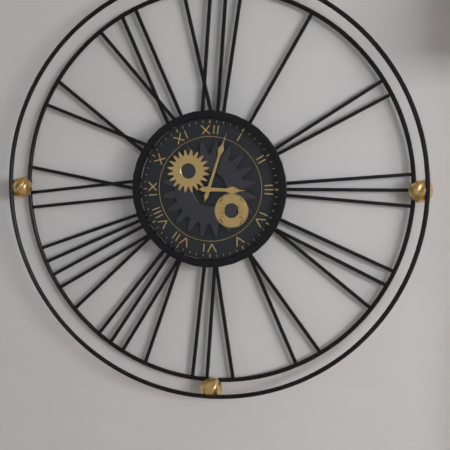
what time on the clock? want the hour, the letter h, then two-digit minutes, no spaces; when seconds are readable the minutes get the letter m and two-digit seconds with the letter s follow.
3h03
